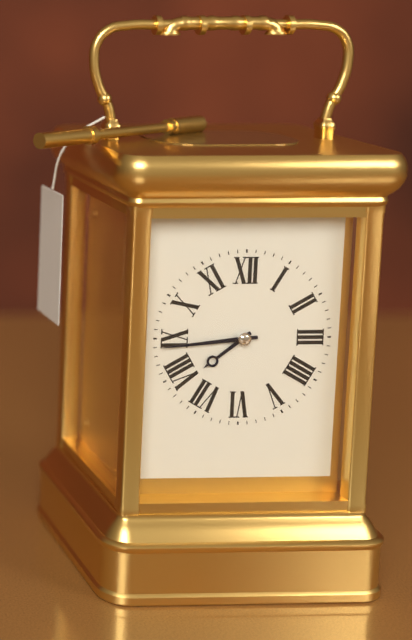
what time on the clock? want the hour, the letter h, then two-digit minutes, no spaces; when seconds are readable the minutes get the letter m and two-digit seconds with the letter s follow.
7h44
